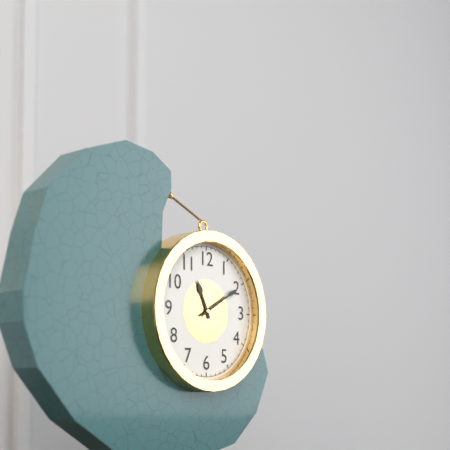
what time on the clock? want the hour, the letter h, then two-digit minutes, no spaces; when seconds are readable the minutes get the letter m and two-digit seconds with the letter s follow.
11h10
